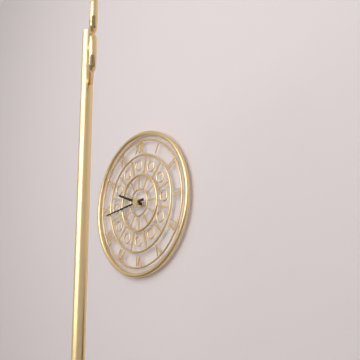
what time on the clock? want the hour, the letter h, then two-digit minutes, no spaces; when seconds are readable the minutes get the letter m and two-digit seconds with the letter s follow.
9h44
